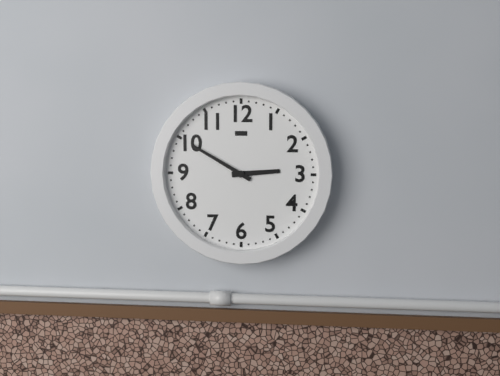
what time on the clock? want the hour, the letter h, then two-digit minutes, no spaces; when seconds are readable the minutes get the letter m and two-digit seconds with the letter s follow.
2h50
